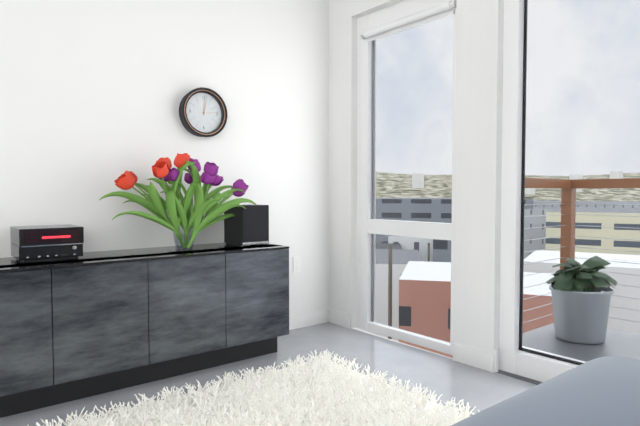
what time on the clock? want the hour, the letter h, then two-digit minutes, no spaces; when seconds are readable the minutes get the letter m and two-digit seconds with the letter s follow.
12h02
